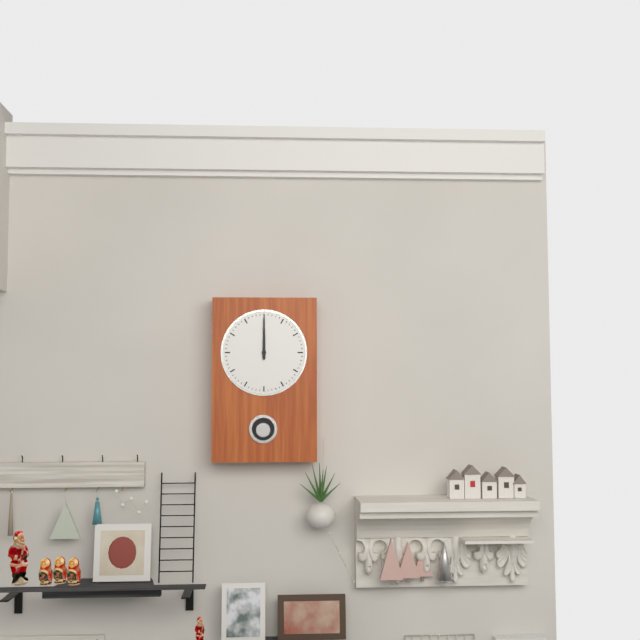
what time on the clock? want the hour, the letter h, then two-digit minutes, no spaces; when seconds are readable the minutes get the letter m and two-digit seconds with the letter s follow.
12h00
